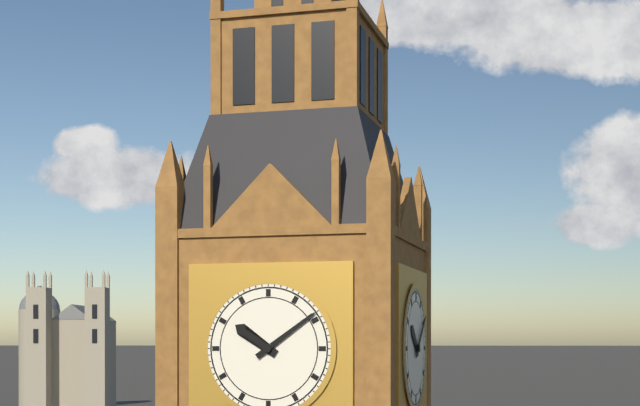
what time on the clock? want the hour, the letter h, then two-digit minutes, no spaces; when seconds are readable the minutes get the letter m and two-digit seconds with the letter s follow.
10h09
